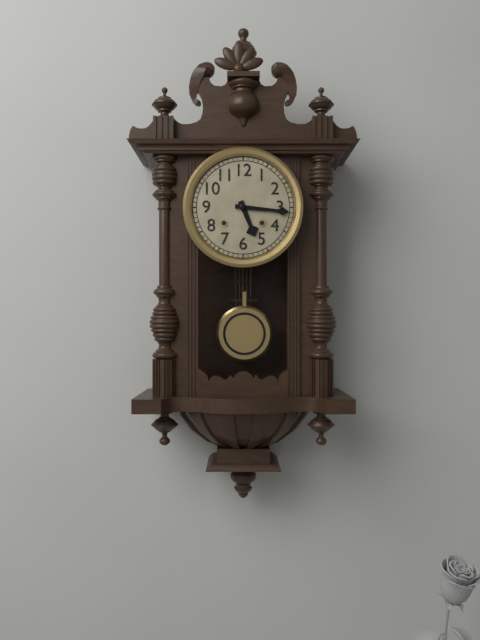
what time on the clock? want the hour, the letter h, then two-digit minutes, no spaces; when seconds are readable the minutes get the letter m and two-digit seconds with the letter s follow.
5h16
